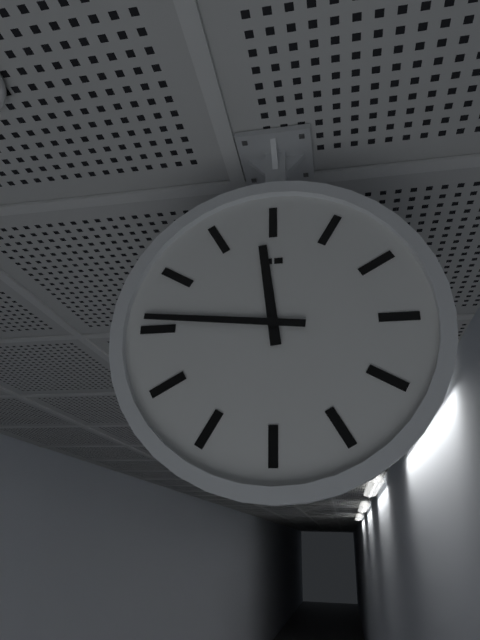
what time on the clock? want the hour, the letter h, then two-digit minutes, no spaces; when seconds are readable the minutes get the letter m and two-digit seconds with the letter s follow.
11h46
